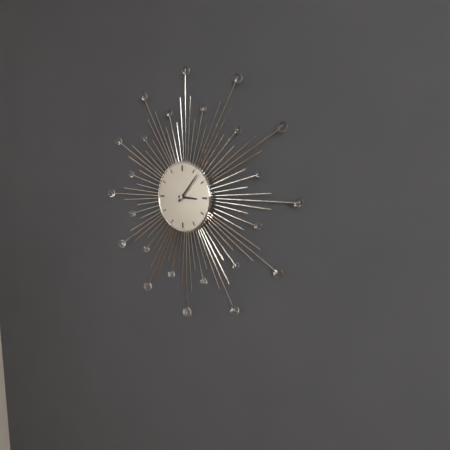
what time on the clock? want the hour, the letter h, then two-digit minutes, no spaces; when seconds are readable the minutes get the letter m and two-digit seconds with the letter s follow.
3h07
